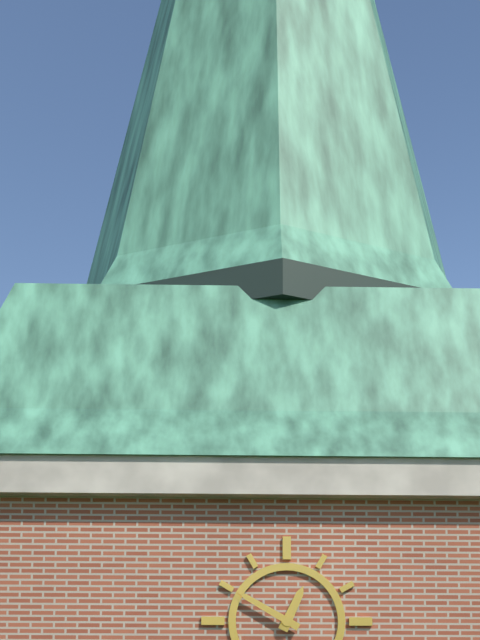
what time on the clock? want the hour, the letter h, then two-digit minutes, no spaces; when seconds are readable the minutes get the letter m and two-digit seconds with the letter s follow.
12h50
